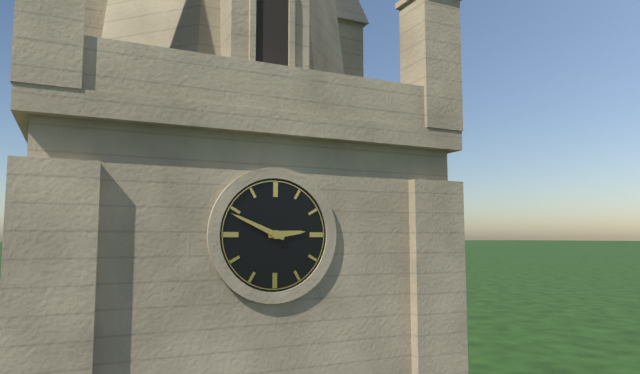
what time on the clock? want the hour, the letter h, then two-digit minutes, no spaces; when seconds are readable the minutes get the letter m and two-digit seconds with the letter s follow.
2h49
